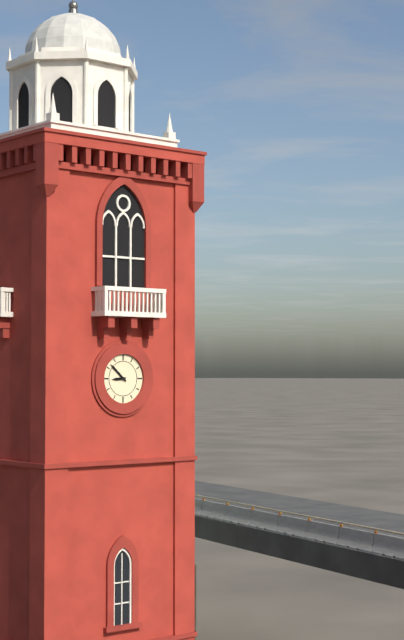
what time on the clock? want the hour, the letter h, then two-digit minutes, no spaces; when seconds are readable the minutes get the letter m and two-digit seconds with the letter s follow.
8h52
